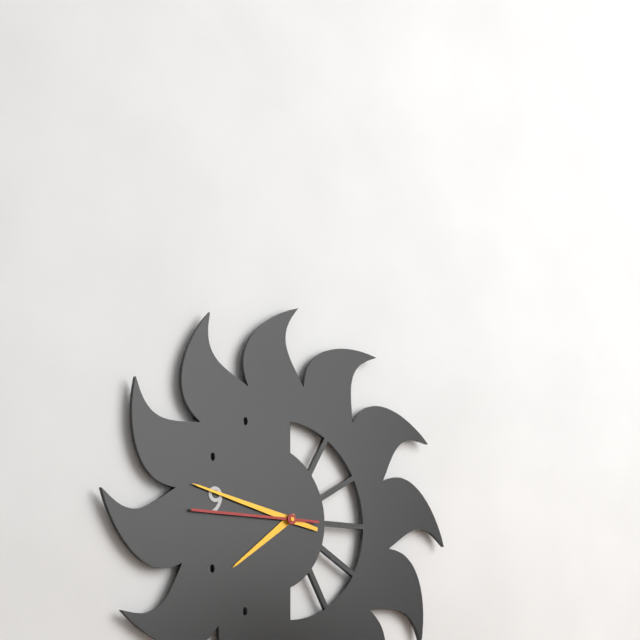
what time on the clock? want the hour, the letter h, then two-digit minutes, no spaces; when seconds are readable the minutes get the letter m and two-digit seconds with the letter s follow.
7h47m45s
